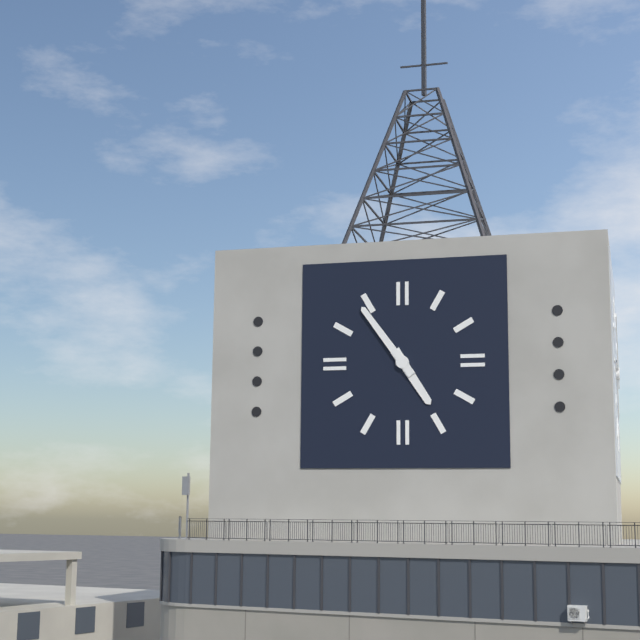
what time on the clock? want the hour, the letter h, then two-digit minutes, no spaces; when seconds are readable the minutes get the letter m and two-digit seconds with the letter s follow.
4h54
